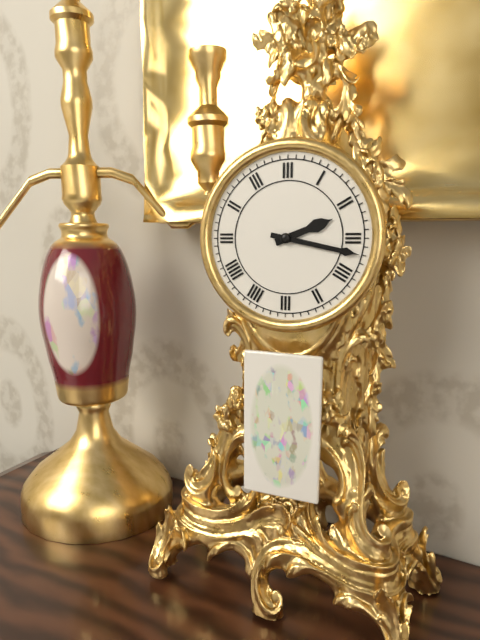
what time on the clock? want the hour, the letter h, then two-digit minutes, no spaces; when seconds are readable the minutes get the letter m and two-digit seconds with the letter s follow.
2h17
